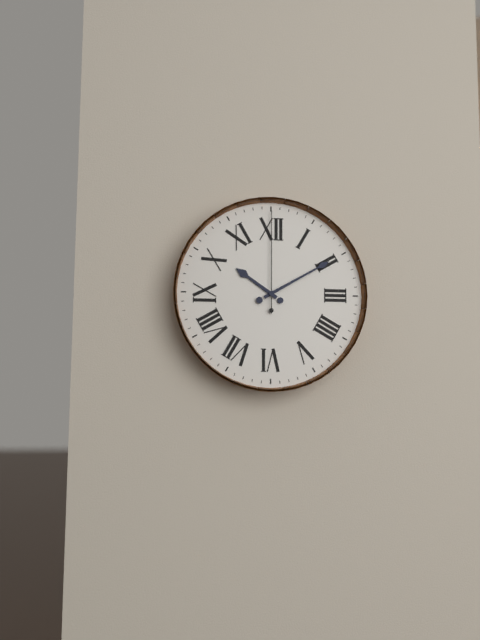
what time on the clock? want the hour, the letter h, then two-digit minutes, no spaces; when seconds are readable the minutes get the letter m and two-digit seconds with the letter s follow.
10h10m00s
